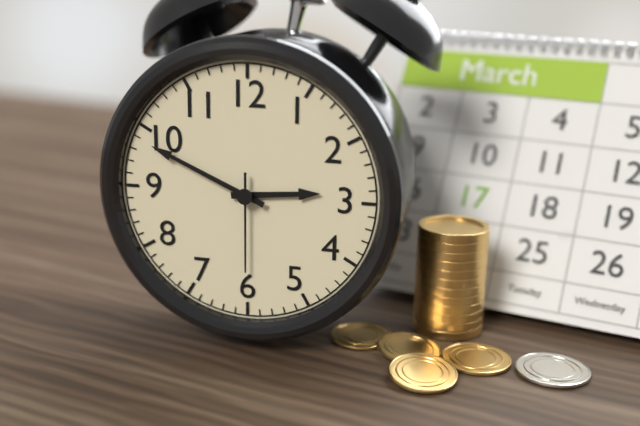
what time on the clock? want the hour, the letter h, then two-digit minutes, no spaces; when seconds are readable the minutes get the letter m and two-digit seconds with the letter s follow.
2h49m30s
